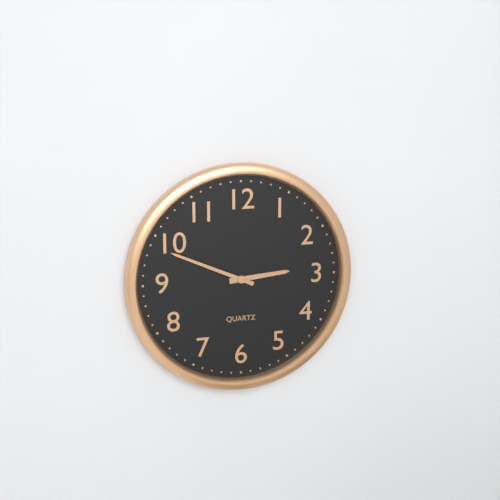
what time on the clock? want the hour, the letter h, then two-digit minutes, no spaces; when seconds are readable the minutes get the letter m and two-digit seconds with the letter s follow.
2h49
